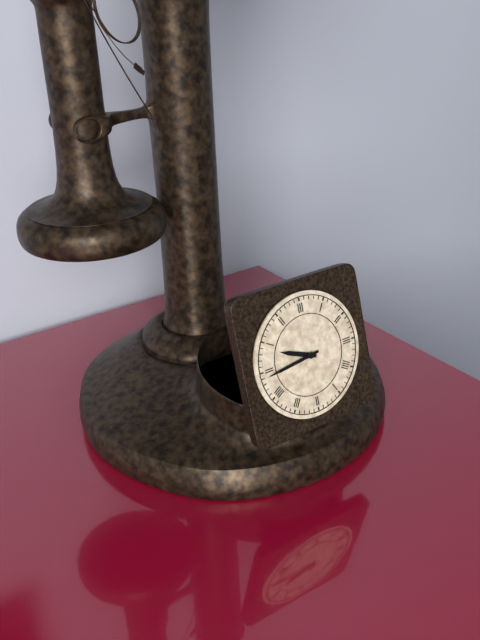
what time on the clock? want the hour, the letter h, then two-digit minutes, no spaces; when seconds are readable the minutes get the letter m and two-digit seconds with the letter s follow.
9h44
